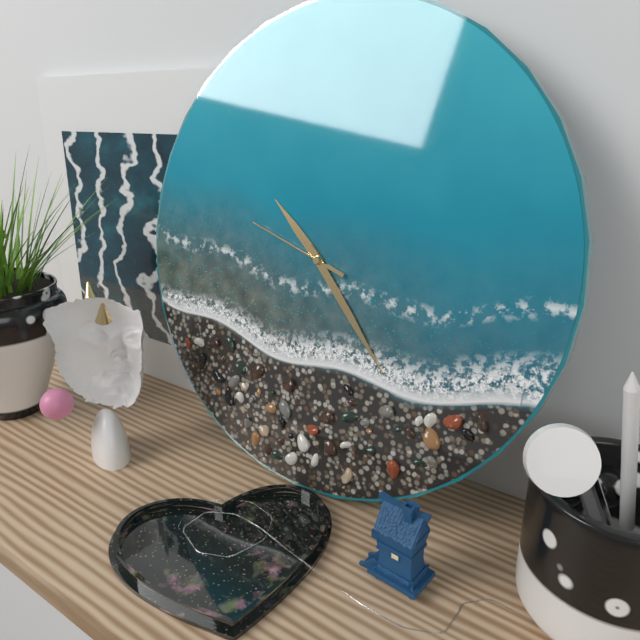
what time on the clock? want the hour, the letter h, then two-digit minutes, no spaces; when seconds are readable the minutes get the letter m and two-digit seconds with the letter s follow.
10h23m48s
